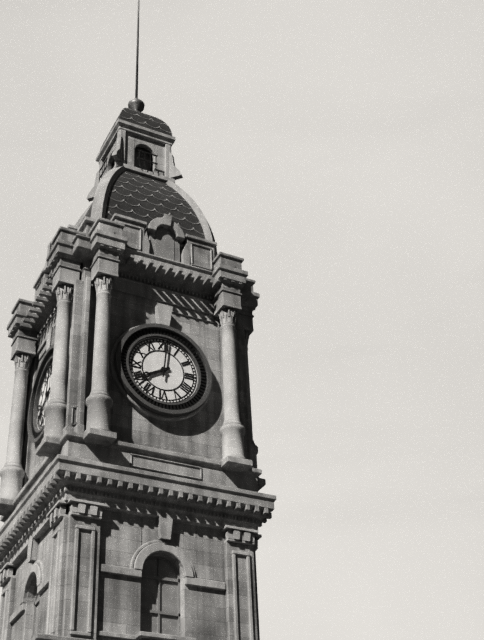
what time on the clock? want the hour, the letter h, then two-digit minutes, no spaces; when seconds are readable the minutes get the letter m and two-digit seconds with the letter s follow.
8h01
